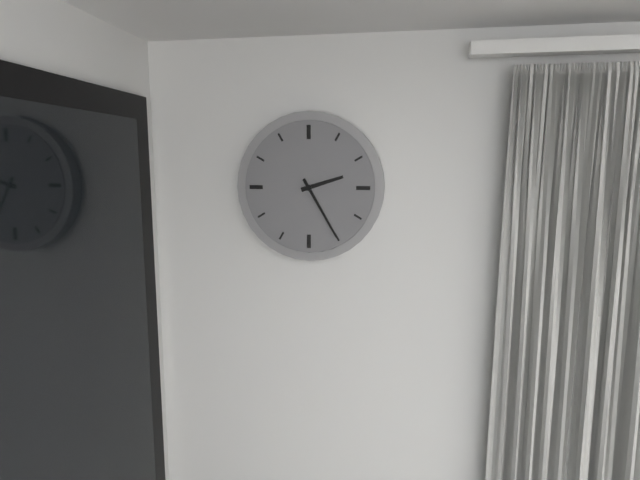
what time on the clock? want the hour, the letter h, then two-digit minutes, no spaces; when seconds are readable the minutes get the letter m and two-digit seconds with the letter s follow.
2h25
